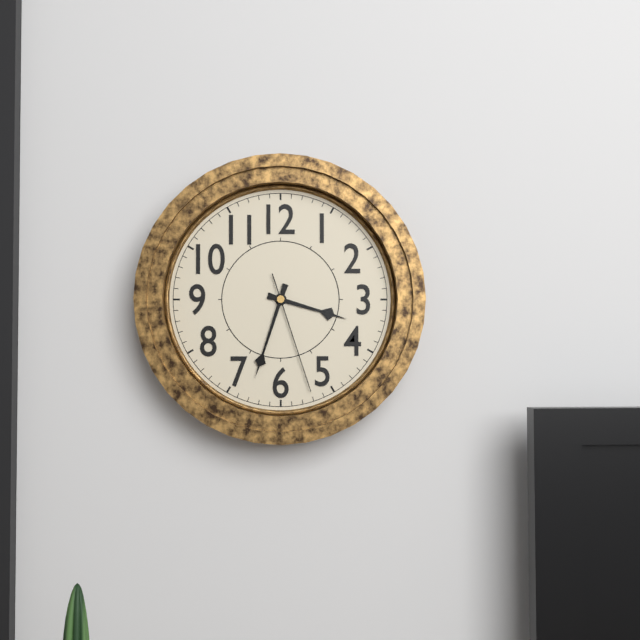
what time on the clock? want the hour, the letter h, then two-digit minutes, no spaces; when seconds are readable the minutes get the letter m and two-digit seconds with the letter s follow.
3h33m27s
